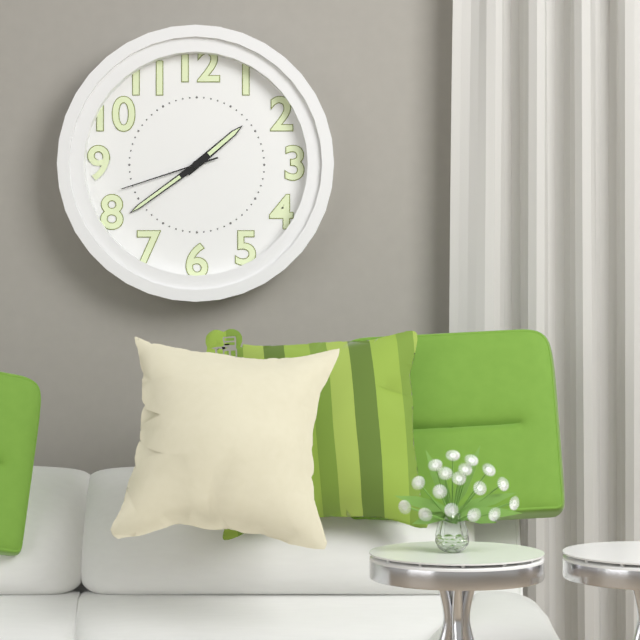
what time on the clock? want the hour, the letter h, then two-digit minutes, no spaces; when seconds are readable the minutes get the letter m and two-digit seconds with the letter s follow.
1h39m42s
